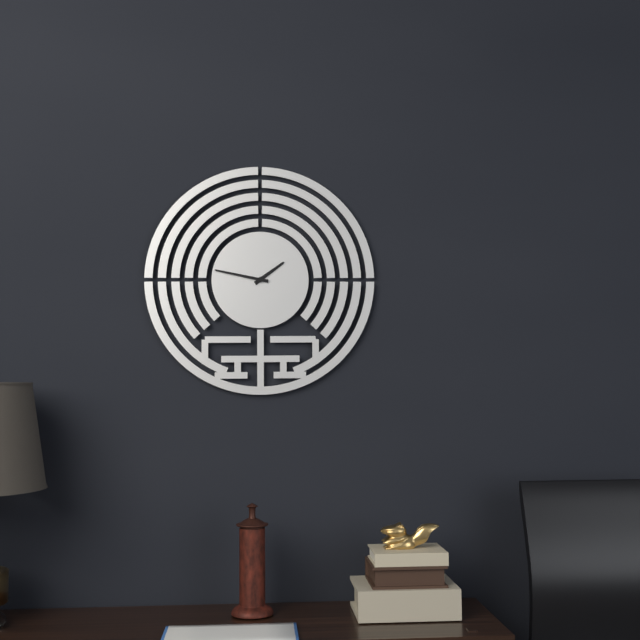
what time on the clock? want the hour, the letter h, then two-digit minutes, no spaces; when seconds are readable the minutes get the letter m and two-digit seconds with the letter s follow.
1h47
